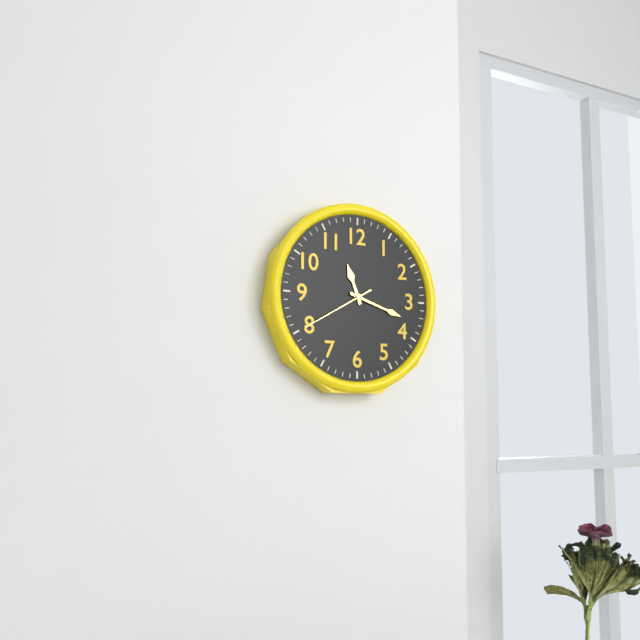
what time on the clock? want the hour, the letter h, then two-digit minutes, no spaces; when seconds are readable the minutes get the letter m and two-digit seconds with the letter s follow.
11h18m40s
